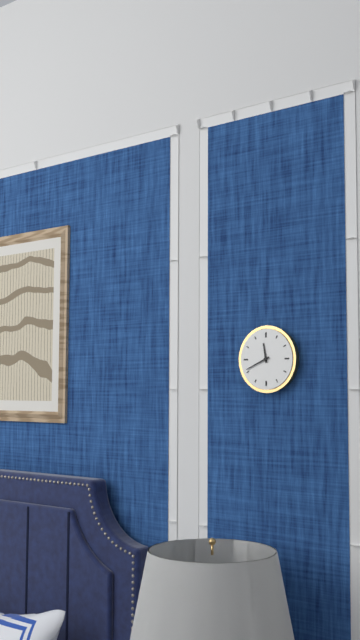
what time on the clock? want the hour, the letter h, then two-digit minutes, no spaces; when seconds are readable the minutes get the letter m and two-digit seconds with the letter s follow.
11h41
